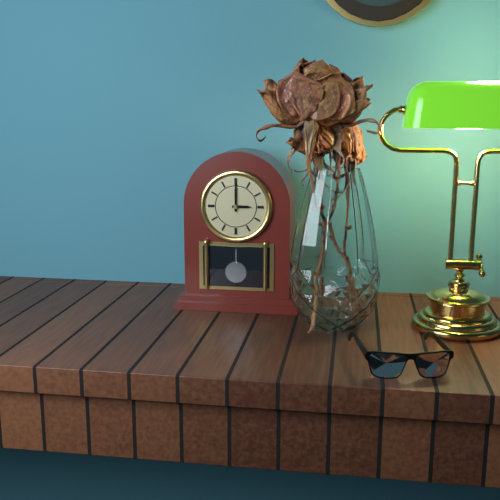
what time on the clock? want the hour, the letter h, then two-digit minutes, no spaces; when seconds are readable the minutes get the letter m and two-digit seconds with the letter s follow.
3h00
